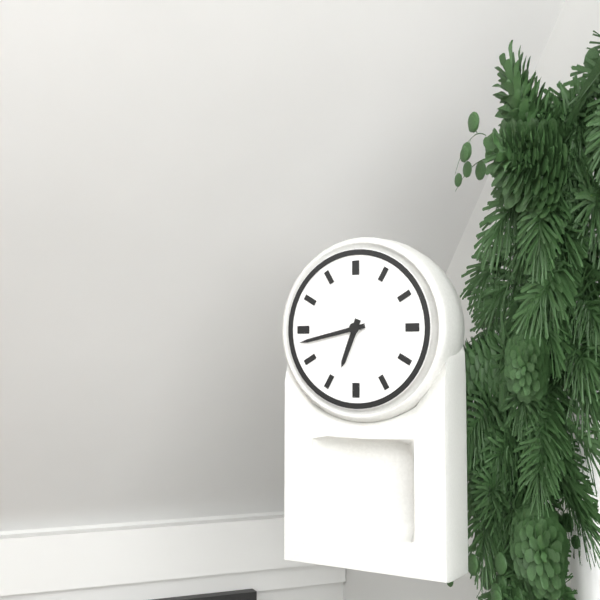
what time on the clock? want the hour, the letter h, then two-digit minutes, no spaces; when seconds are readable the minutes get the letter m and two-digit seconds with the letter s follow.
6h43
